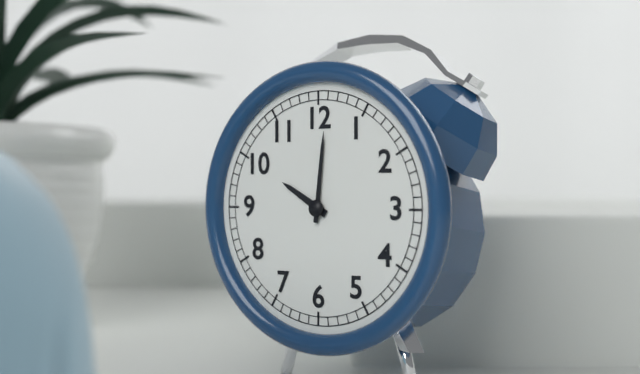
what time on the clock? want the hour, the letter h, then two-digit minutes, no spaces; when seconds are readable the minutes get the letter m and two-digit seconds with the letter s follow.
10h01
